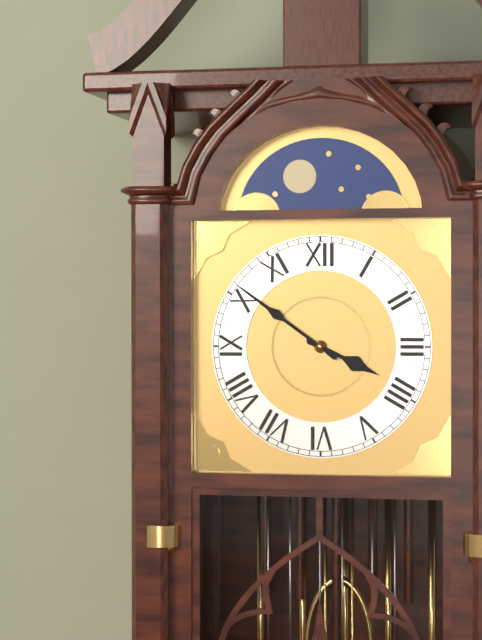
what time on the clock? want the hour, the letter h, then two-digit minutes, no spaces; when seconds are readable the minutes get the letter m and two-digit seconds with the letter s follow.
3h51
